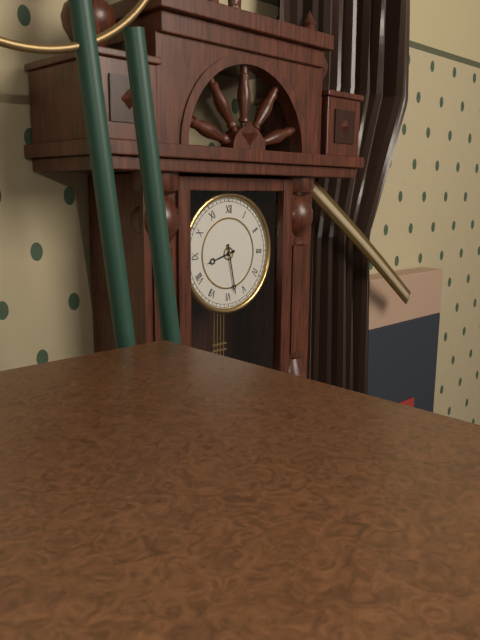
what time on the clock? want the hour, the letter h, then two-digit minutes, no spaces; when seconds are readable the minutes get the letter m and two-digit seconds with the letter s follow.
8h28
